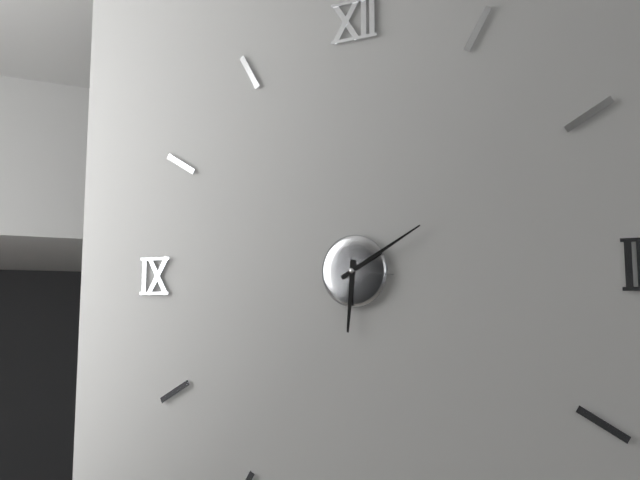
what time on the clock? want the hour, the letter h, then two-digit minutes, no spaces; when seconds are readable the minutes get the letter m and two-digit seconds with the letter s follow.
6h10m16s
